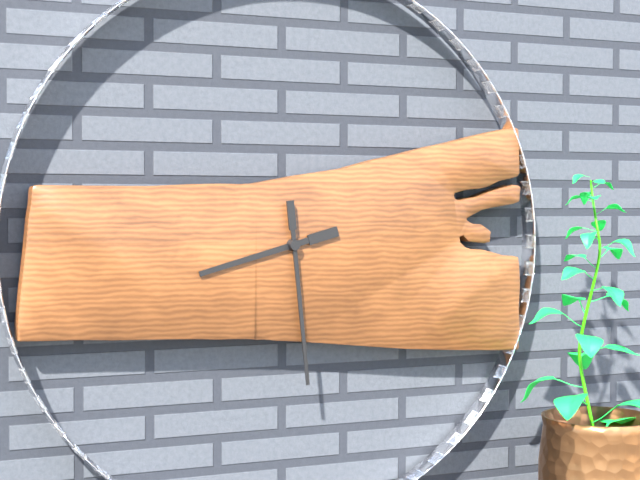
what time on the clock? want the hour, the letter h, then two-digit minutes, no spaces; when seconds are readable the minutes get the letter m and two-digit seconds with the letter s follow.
8h29
